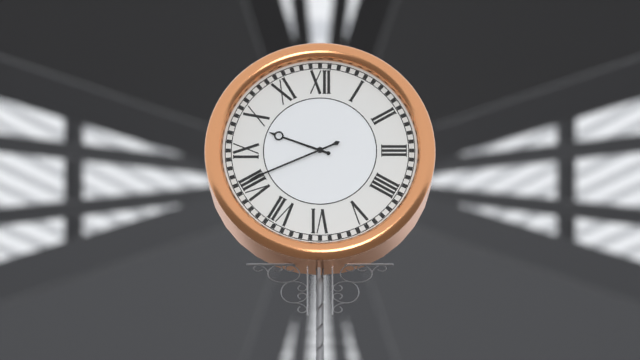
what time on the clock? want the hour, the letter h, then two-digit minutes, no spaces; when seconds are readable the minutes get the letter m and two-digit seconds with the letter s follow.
9h41
